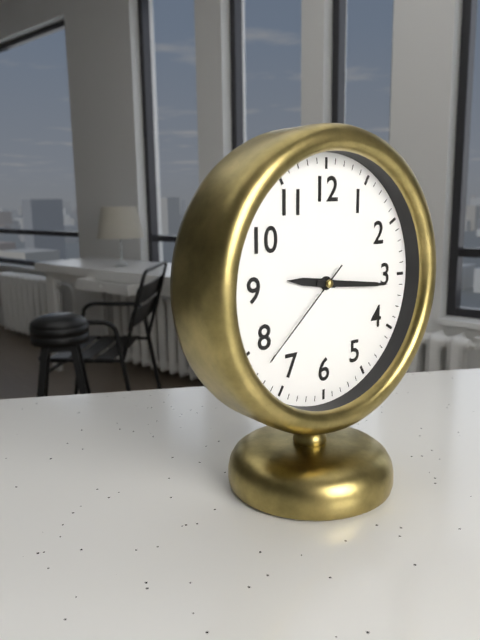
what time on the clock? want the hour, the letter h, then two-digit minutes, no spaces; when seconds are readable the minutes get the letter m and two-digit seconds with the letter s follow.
9h16m38s
